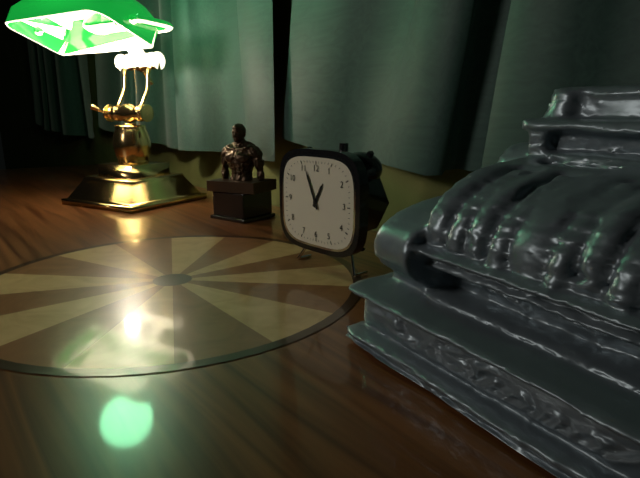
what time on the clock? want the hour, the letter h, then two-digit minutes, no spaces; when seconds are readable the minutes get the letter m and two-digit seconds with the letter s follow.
12h56
